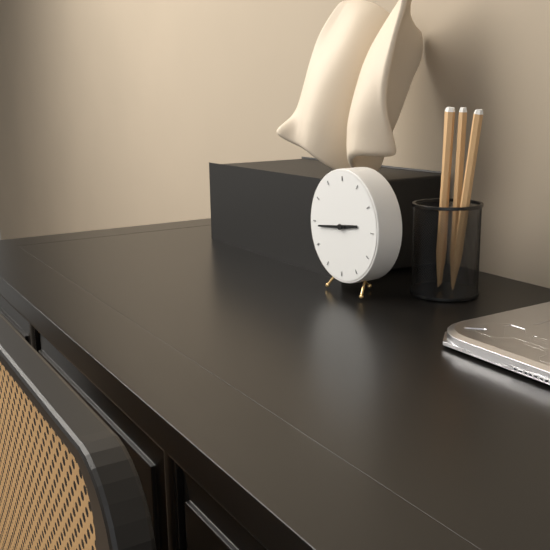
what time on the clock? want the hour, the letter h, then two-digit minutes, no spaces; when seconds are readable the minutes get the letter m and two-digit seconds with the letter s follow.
2h44
